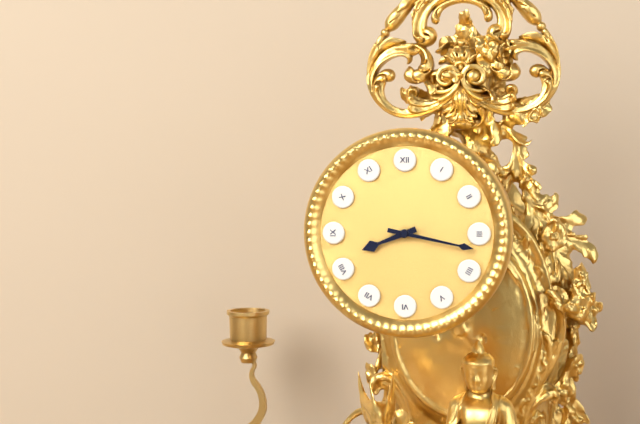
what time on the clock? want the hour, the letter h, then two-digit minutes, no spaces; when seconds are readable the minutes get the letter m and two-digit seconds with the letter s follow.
8h17
